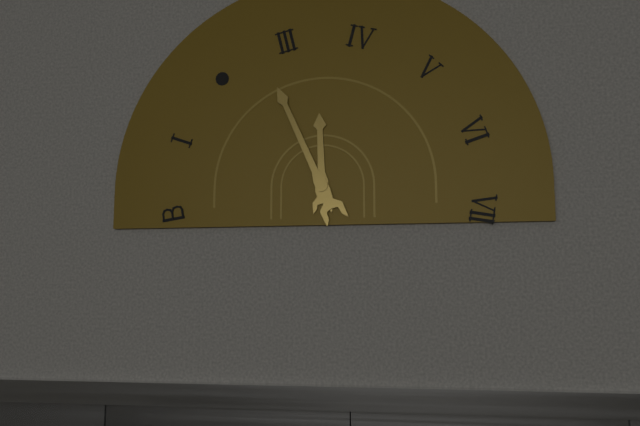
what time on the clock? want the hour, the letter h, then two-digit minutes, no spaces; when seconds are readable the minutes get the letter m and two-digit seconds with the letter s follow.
11h56
